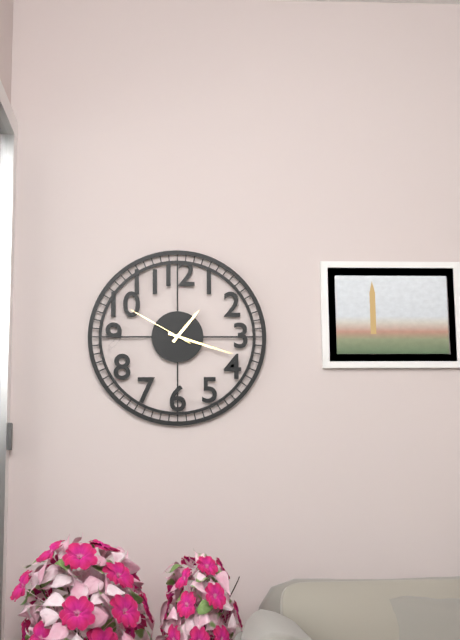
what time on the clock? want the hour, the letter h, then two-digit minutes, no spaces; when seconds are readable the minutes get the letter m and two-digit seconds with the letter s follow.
1h18m50s
